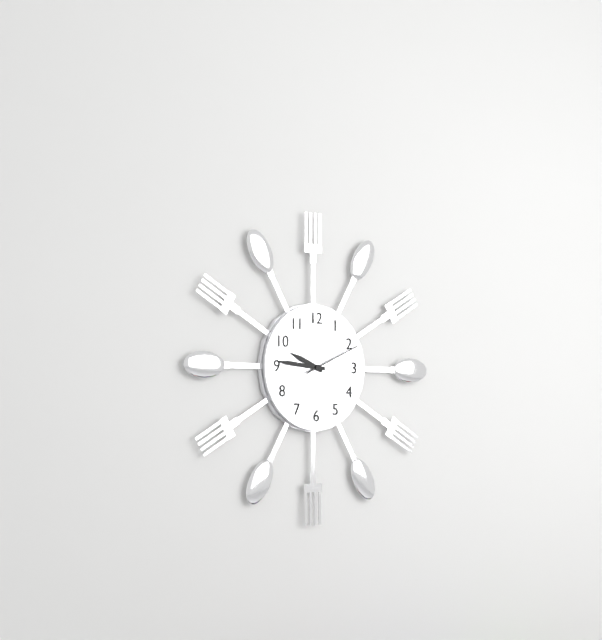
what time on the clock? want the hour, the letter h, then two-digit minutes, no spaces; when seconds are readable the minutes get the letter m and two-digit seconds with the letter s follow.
9h46m11s
